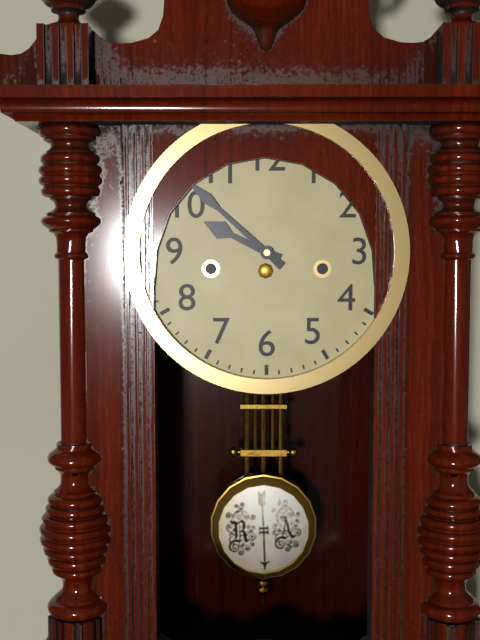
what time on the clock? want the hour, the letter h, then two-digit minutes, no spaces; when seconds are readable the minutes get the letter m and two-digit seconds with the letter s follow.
9h52
